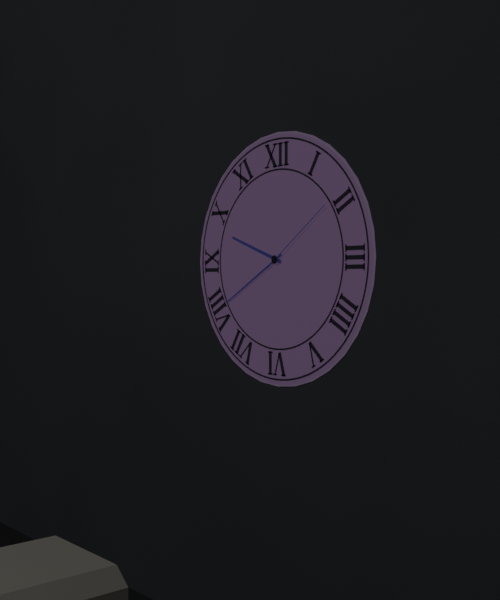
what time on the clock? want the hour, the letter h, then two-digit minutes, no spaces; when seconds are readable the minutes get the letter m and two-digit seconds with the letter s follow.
9h40m09s
